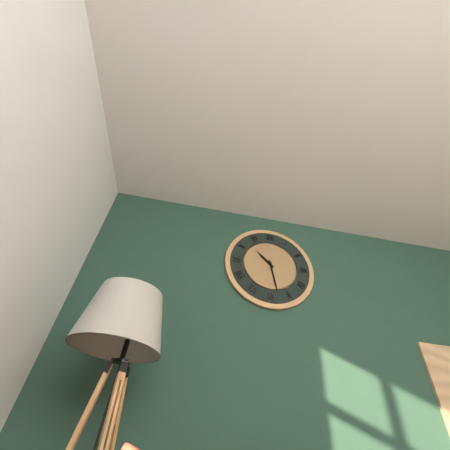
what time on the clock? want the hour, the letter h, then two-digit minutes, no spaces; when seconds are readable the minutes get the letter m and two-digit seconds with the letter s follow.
10h28
